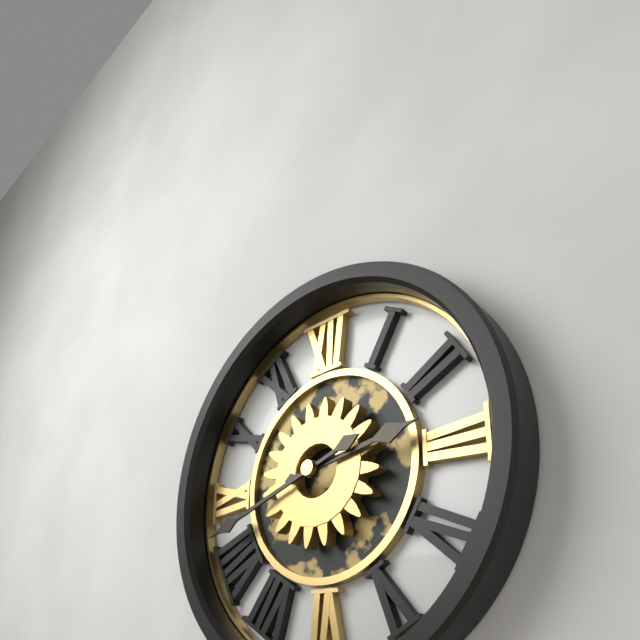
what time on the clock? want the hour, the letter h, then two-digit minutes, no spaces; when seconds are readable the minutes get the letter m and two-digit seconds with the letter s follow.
2h42
